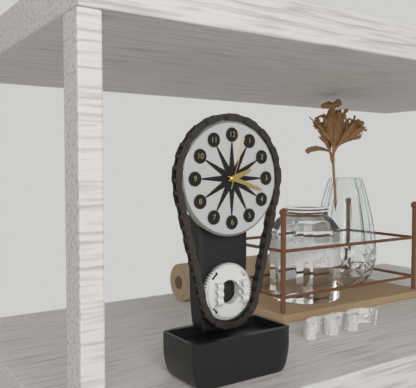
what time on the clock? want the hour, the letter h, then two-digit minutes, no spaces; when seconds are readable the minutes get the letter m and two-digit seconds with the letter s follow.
2h18m03s
